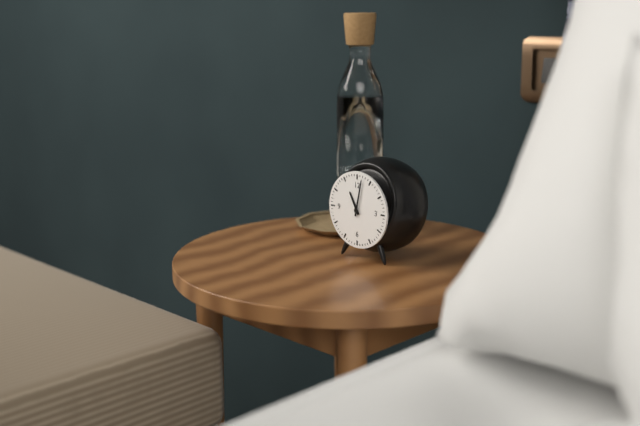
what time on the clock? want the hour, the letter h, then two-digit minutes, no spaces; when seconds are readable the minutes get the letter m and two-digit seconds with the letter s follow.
11h02
